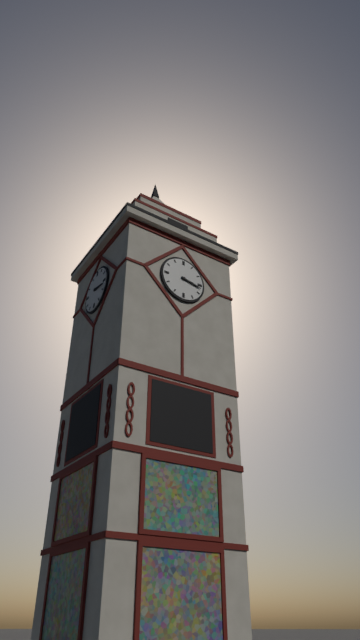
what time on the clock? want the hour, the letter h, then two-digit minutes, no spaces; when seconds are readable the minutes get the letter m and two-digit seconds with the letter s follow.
3h17
